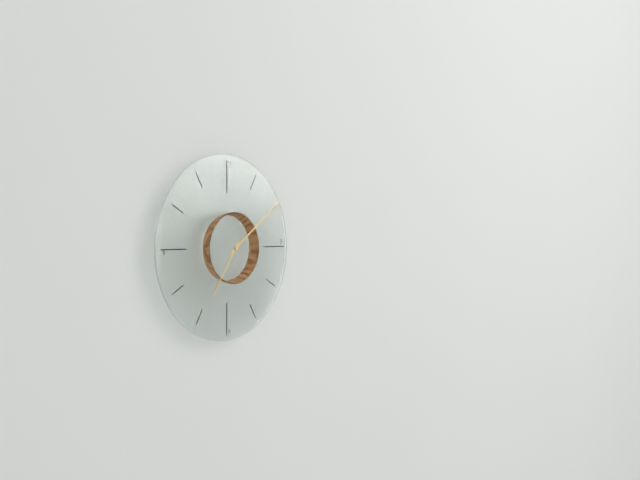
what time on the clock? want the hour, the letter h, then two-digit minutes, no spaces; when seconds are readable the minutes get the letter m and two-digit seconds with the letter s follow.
7h09
